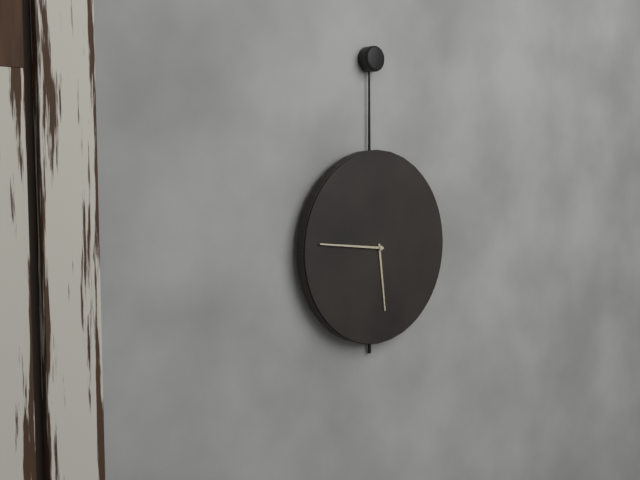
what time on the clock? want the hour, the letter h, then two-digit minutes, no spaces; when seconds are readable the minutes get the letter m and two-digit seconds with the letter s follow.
5h46
